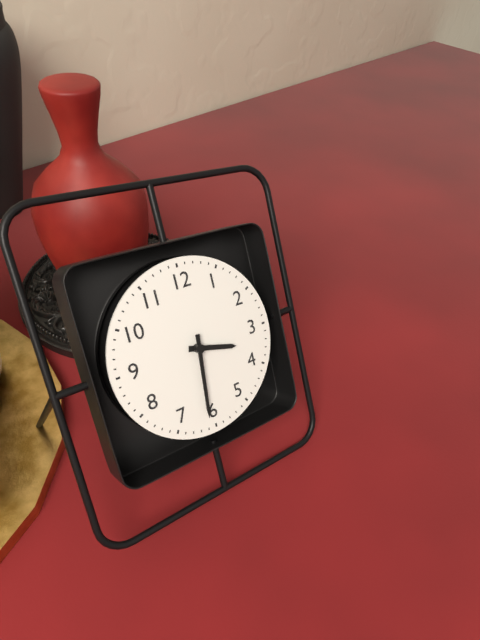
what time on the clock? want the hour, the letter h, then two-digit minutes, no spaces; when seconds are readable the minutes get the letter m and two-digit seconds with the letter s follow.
3h31
